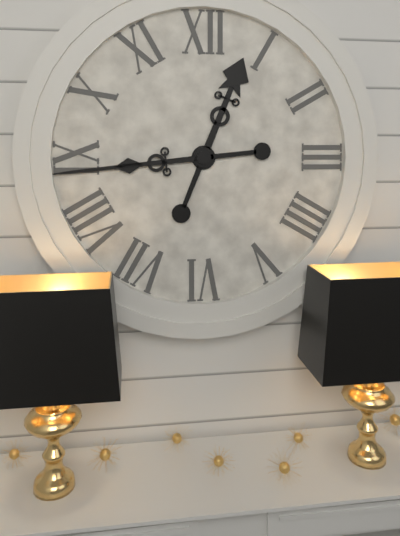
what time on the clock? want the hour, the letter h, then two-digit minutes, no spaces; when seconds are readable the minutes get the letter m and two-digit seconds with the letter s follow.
12h44
